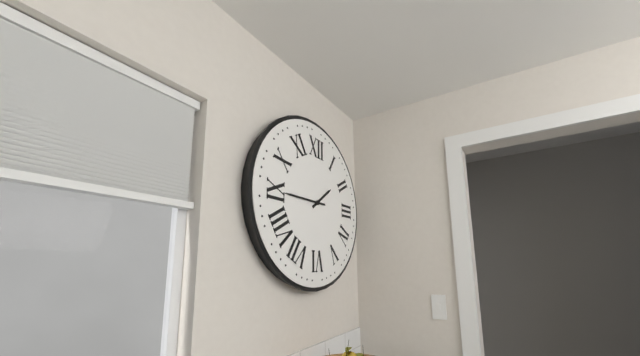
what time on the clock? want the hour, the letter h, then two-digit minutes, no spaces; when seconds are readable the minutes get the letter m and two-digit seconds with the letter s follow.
1h45
